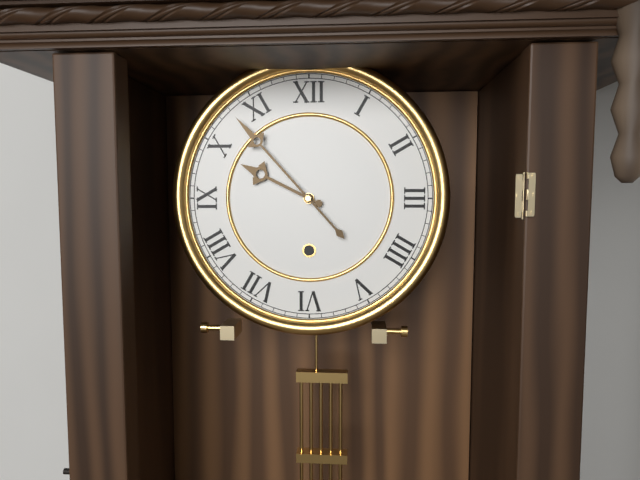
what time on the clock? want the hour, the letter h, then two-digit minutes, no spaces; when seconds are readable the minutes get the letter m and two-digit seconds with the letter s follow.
9h53
